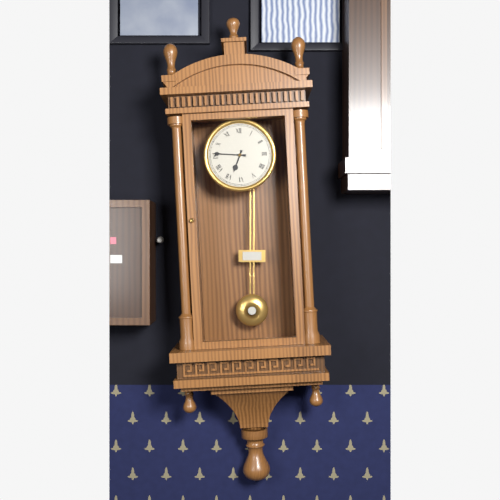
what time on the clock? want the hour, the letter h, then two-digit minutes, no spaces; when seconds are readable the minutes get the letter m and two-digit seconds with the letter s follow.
6h46
